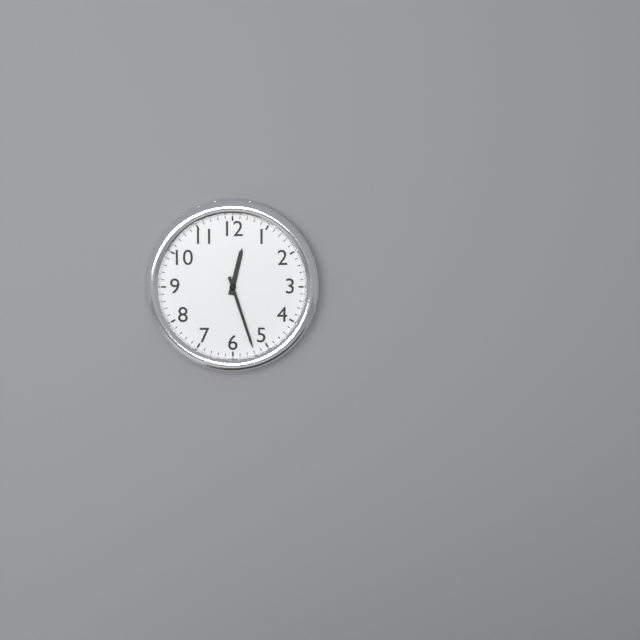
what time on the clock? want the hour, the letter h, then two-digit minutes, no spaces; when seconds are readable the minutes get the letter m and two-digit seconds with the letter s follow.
12h27
